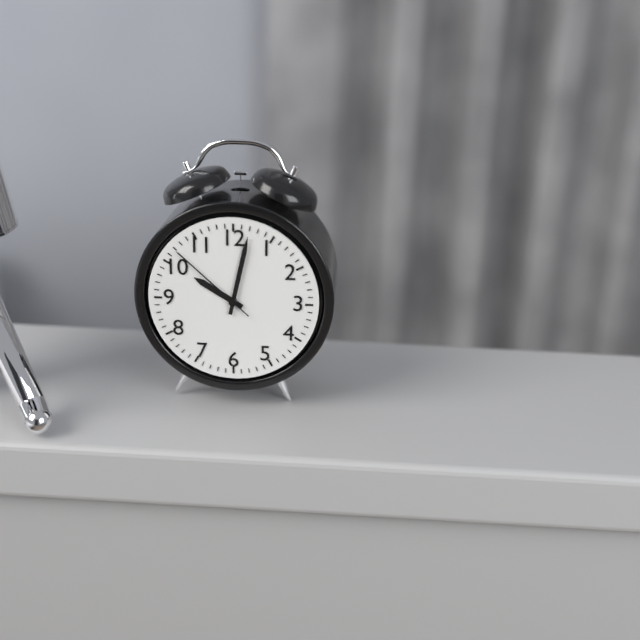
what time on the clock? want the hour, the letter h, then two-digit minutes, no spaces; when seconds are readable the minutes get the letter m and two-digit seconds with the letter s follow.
10h02m52s
